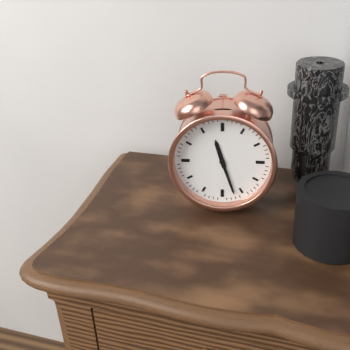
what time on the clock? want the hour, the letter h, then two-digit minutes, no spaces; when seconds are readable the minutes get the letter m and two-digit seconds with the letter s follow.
11h27
